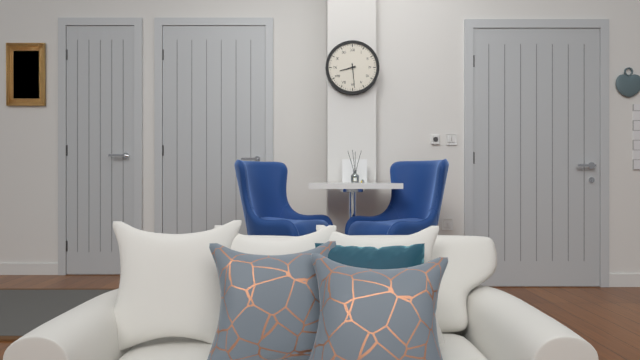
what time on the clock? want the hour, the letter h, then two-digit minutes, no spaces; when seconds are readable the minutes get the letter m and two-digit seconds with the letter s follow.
8h29
